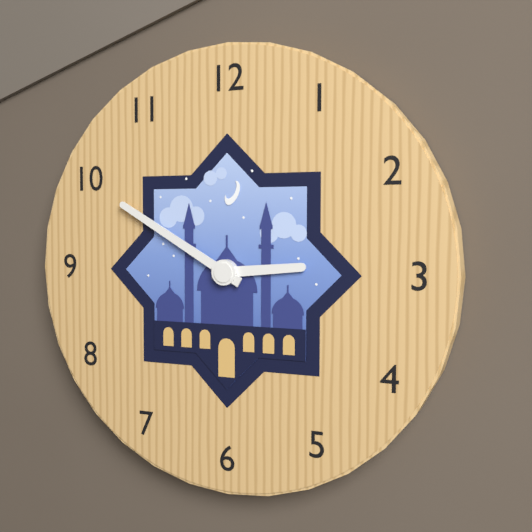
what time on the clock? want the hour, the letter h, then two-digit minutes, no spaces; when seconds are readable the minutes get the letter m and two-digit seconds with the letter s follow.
2h50
